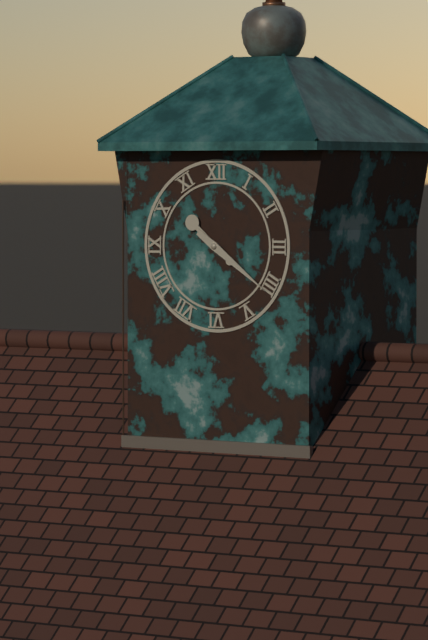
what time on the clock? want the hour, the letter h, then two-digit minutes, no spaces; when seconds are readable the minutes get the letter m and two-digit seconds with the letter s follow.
10h21
